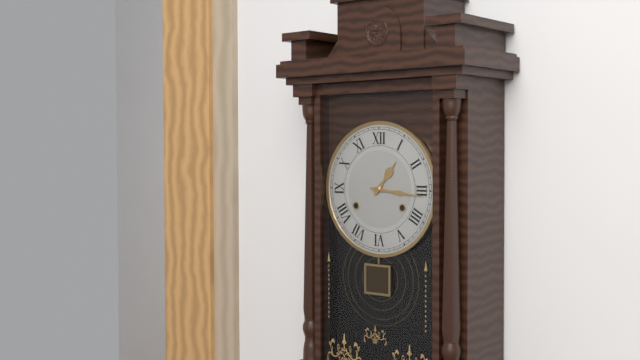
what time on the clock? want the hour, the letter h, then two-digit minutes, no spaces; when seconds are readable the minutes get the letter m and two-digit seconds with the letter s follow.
1h16
